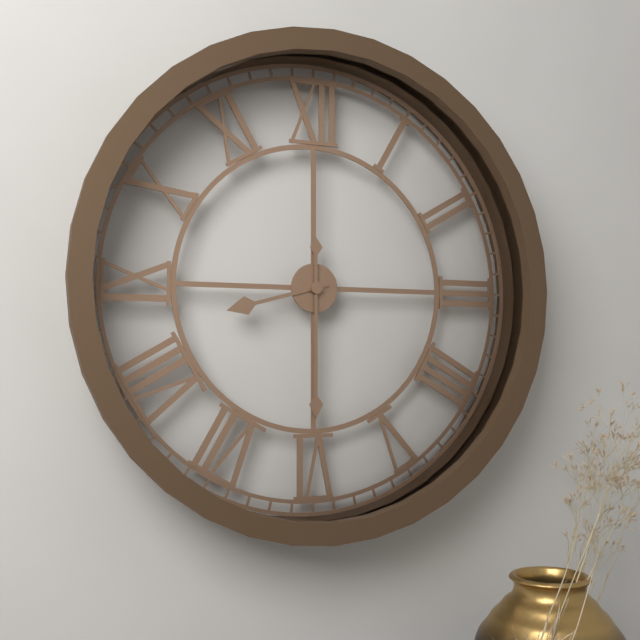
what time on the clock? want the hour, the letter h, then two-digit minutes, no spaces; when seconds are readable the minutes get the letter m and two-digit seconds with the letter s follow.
8h30
